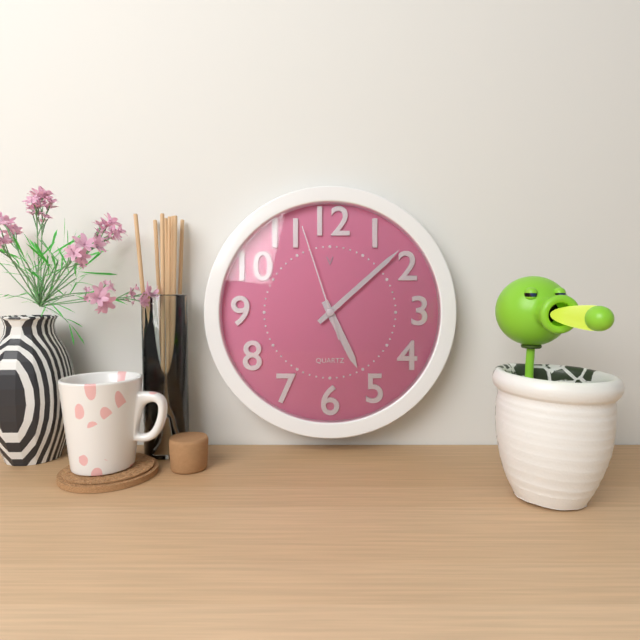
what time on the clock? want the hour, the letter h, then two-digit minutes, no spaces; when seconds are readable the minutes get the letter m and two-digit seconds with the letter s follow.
5h08m57s
